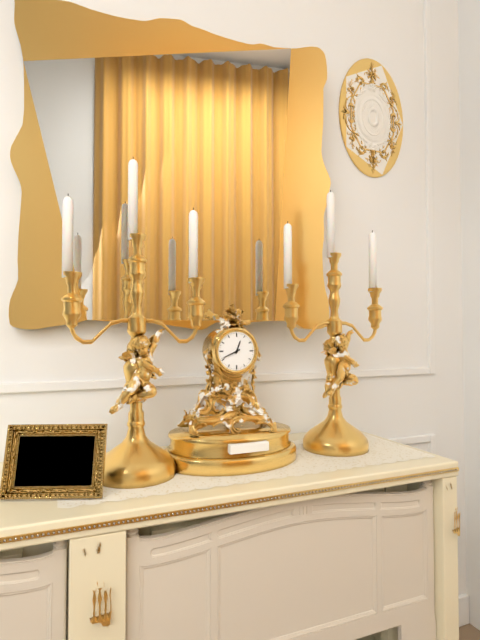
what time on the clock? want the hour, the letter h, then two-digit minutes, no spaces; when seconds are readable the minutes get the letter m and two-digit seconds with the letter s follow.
12h41
